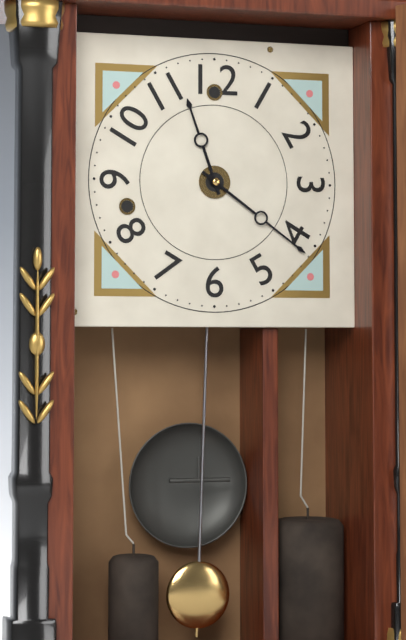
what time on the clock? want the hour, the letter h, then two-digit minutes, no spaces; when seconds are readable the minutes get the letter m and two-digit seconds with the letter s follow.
11h21
